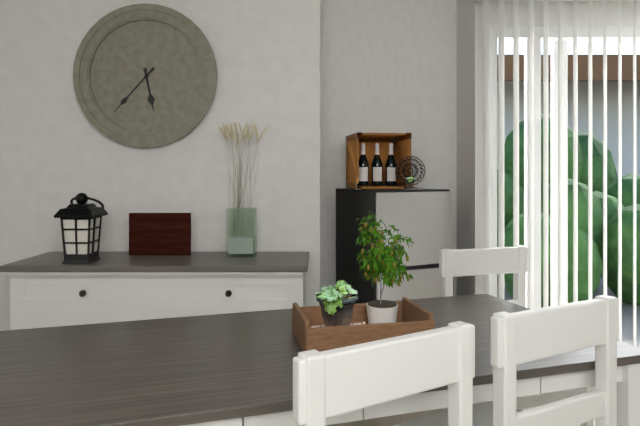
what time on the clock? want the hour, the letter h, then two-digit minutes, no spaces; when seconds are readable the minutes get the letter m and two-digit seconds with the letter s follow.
5h37
